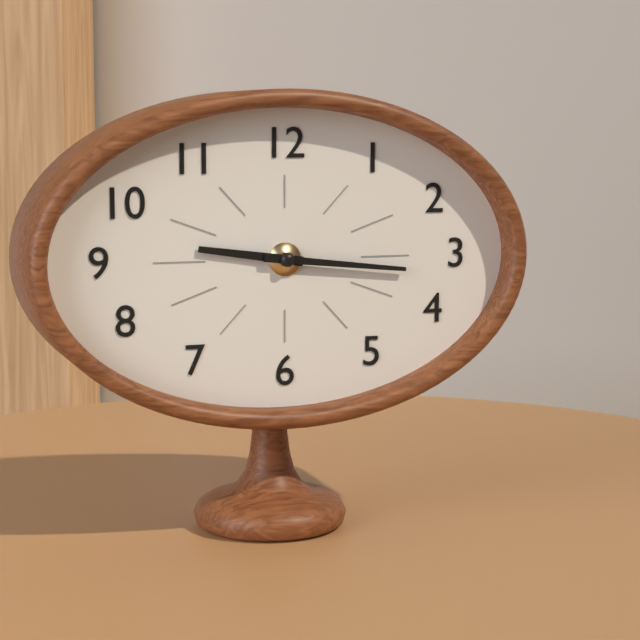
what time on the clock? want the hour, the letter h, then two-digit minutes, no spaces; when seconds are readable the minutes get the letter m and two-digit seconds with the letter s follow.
9h16
